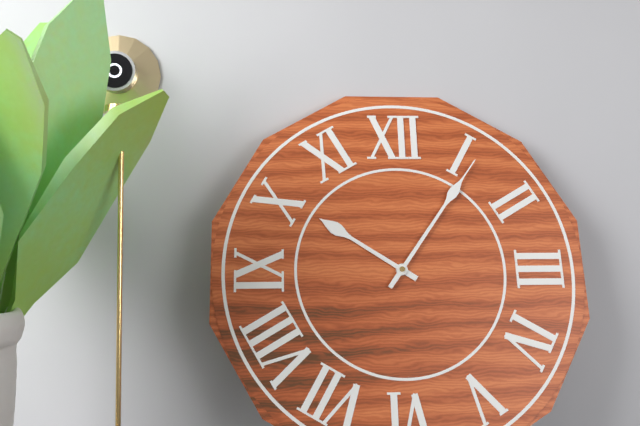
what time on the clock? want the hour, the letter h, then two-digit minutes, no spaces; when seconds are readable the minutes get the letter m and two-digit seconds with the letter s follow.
10h06
